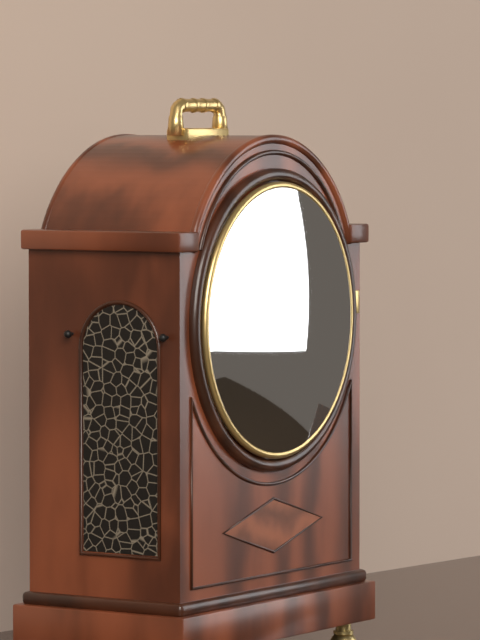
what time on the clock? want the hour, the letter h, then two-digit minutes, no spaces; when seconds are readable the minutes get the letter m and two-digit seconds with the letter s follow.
8h00
